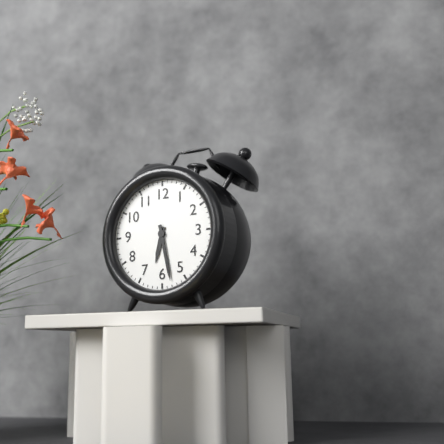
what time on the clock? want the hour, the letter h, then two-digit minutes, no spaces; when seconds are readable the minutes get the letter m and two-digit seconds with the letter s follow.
6h28
